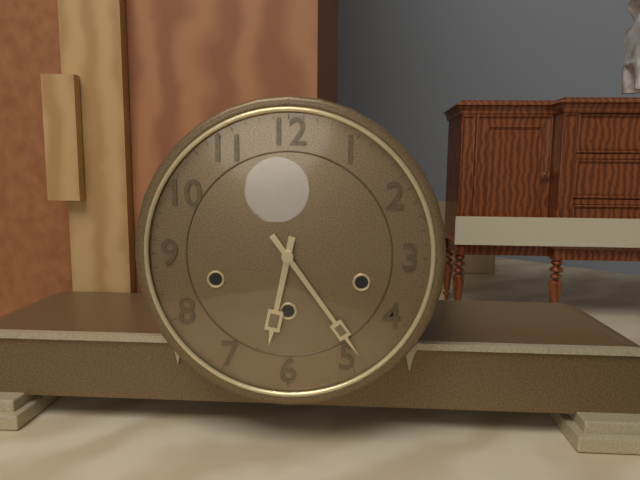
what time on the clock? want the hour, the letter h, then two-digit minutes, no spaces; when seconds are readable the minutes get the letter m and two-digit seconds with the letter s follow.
6h24
